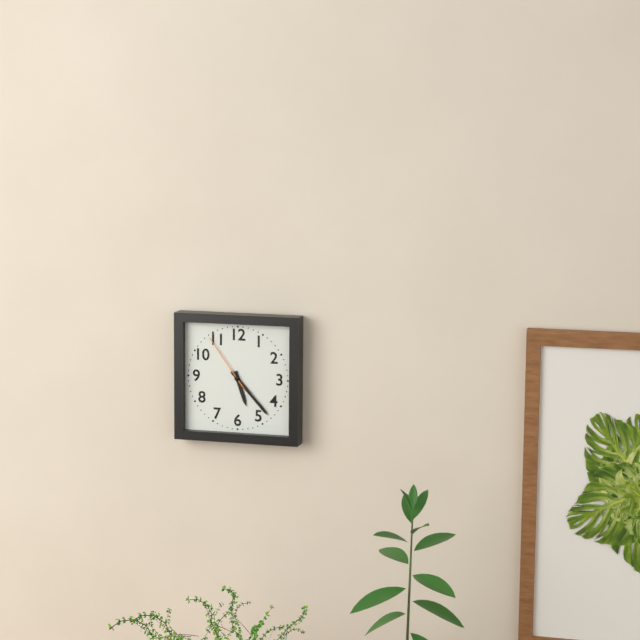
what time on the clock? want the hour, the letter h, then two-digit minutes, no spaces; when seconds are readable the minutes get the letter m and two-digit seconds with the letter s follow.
5h23m54s
